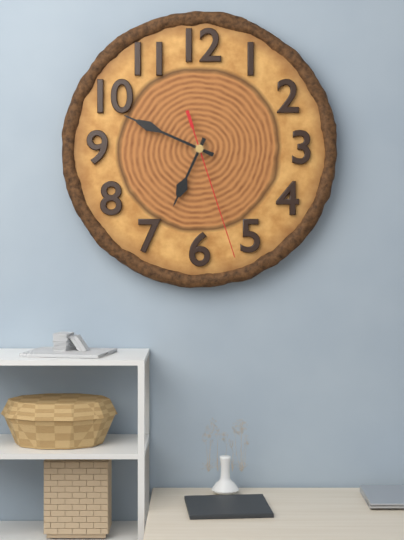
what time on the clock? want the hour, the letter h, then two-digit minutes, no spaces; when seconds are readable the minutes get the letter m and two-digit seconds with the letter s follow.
6h49m27s
